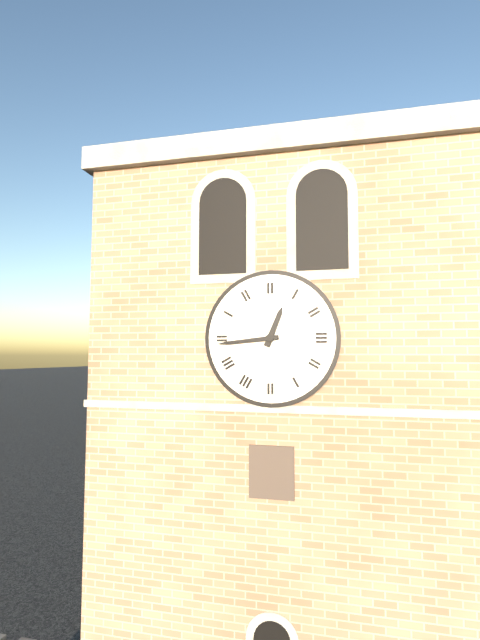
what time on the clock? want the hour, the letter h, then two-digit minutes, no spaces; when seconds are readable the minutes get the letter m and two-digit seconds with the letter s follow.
12h44
